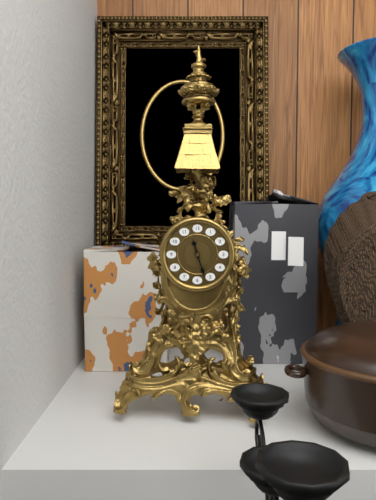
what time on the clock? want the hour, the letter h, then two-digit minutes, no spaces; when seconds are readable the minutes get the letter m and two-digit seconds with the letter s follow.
11h27
